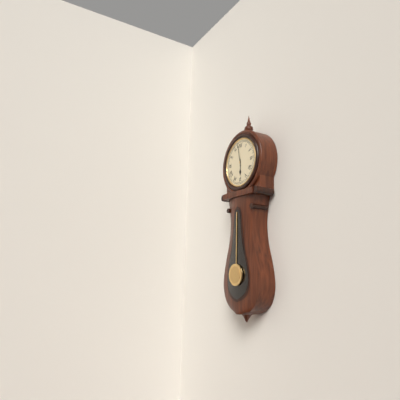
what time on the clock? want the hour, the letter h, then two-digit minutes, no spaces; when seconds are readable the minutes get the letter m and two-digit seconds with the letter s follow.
5h58
